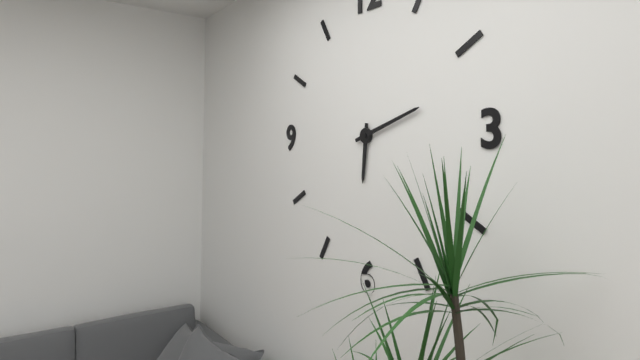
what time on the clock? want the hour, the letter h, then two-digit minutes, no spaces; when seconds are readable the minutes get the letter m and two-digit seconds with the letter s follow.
6h12
